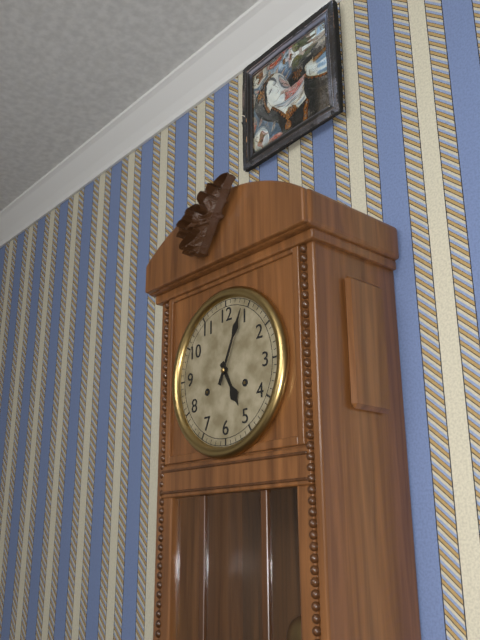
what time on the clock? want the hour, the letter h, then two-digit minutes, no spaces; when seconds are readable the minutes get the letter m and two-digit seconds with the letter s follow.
5h04
